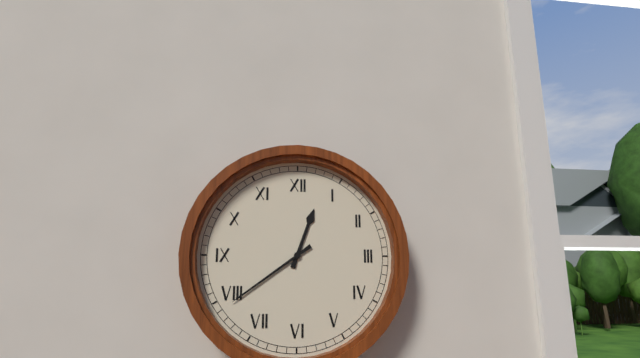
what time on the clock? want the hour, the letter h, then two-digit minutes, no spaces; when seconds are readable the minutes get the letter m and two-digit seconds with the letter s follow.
12h39
